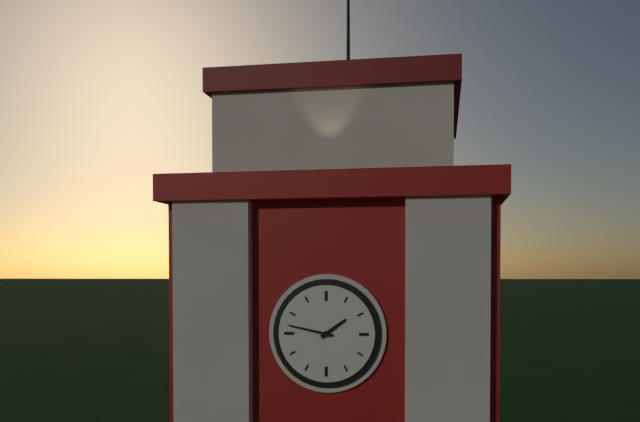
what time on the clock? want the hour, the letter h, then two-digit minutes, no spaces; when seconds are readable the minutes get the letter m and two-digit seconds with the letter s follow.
1h47
